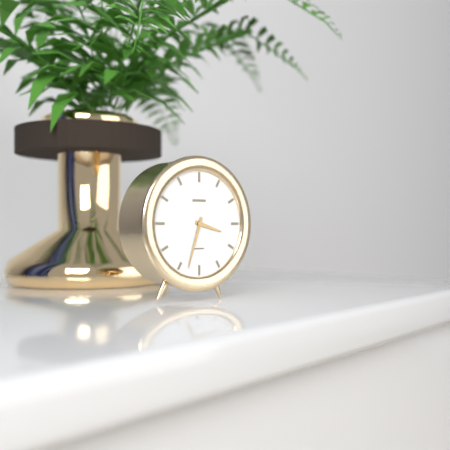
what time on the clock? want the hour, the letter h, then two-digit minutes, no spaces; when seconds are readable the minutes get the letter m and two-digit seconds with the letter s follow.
3h33
